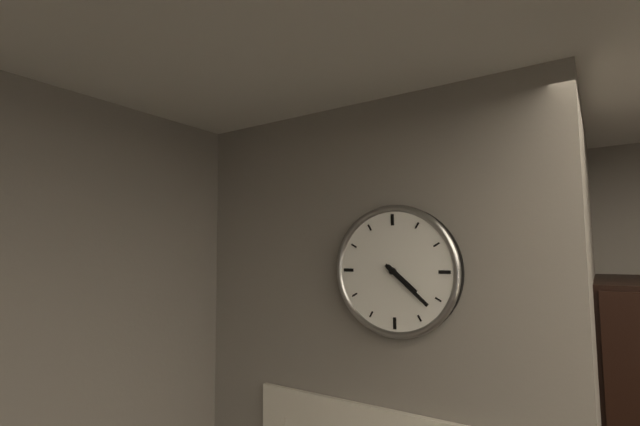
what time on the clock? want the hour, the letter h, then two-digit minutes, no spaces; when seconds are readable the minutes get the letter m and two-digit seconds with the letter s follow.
4h22
